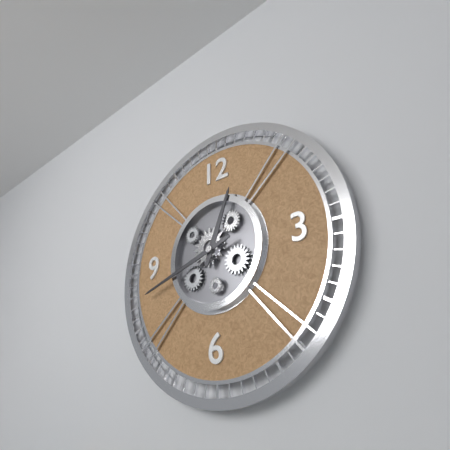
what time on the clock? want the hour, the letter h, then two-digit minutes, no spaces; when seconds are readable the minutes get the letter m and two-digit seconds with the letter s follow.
12h42
